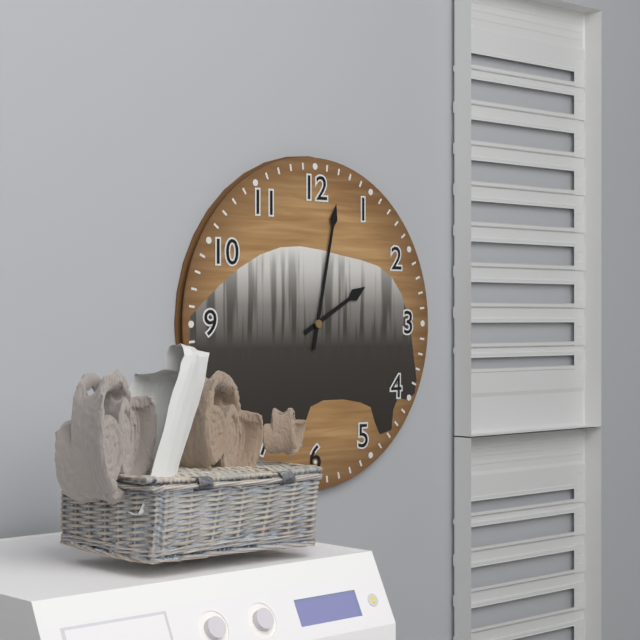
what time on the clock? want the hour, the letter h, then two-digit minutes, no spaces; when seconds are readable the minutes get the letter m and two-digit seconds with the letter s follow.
2h02
